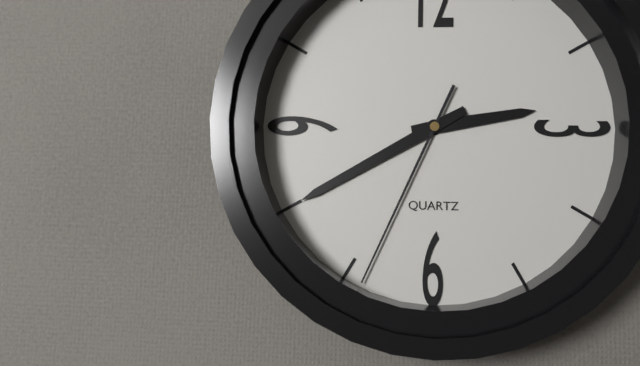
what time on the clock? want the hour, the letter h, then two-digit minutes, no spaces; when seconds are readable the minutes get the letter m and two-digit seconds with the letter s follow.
2h40m34s
